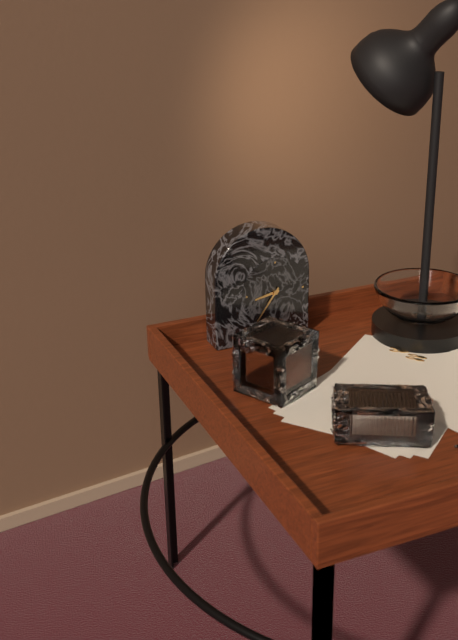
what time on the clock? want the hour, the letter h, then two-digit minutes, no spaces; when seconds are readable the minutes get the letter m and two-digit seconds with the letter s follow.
8h36
